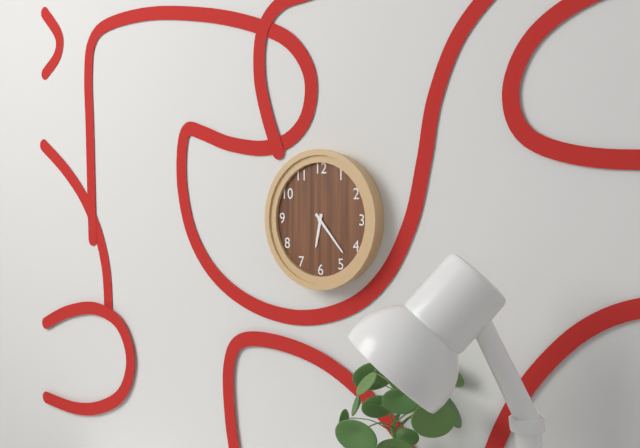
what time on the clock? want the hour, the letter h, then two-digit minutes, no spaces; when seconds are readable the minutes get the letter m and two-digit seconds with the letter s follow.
6h23
